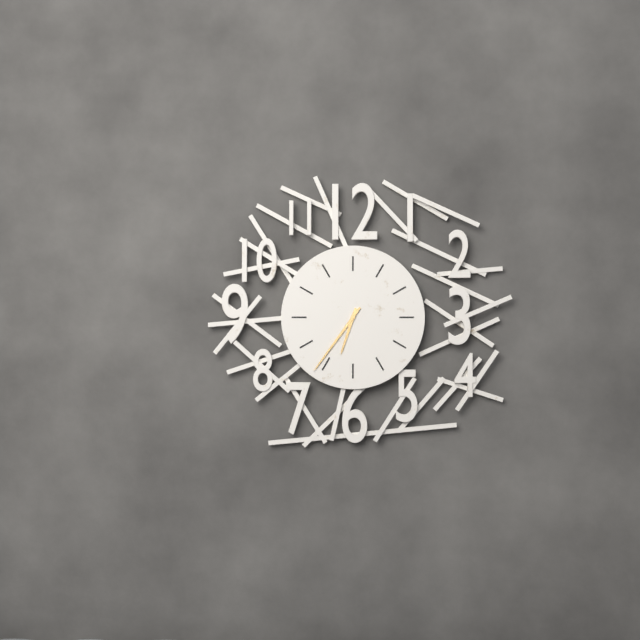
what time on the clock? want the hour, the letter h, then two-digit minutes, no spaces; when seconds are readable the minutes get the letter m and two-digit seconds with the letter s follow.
6h36
